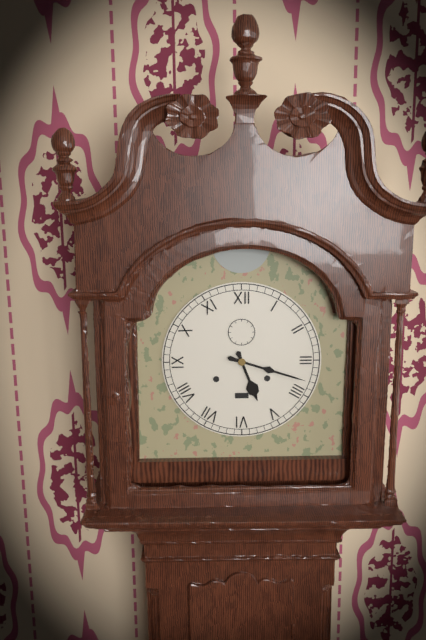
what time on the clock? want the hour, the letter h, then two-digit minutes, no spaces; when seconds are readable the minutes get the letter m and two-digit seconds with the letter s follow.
5h18
